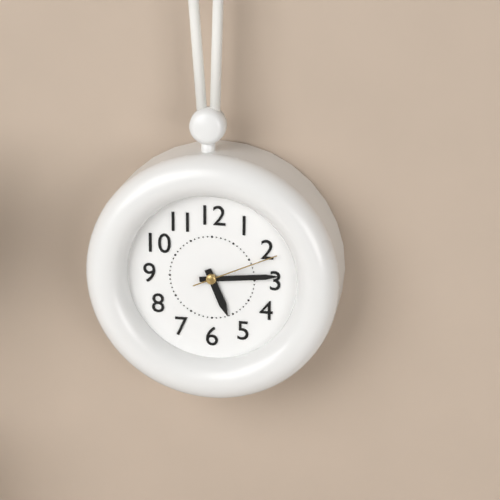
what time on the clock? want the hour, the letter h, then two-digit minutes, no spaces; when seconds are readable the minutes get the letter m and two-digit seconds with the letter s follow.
5h14m11s
